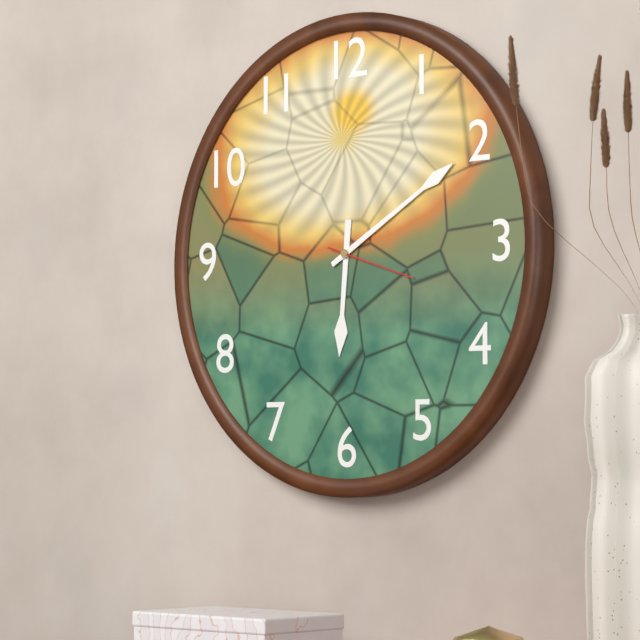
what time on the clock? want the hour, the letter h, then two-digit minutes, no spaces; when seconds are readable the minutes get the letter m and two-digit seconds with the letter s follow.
6h10m18s
